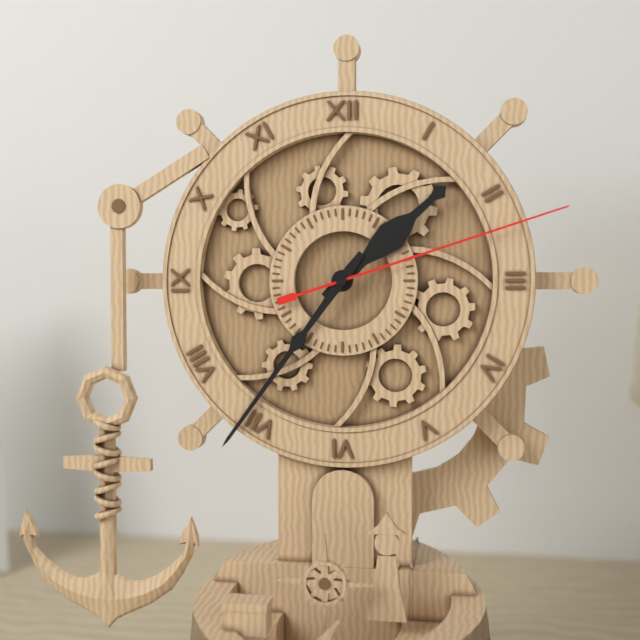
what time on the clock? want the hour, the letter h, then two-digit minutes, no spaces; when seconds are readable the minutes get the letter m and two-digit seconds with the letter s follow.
1h36m12s
